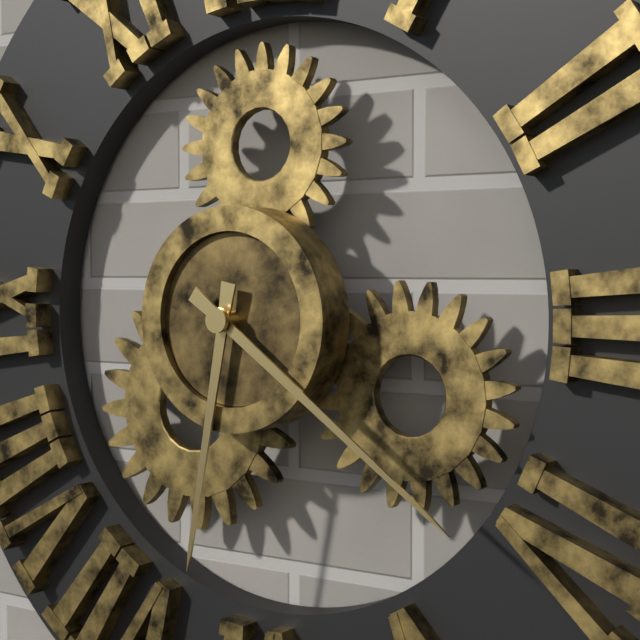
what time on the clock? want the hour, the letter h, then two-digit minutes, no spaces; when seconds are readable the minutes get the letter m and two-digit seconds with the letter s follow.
6h21
